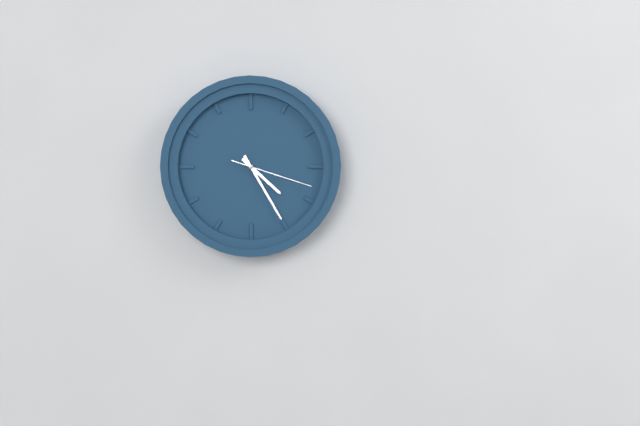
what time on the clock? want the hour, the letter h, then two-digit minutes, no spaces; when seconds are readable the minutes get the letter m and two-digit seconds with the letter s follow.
4h25m18s
